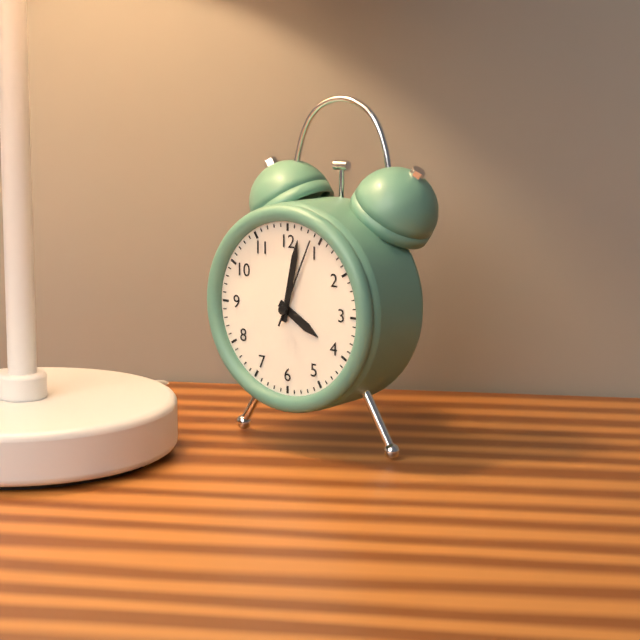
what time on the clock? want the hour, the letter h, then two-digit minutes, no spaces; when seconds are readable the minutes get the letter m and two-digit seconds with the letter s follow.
4h02m04s
